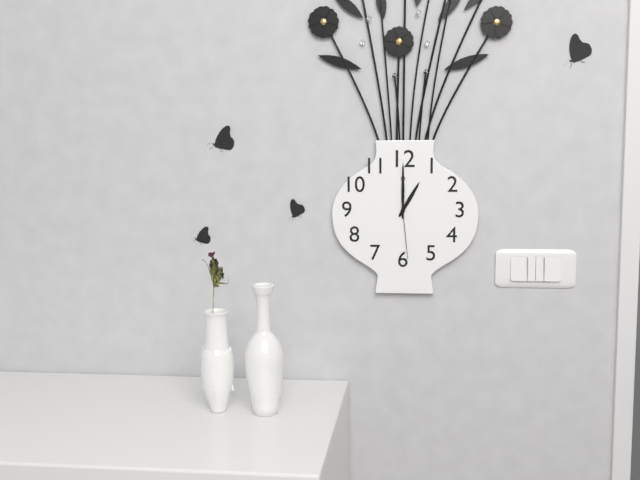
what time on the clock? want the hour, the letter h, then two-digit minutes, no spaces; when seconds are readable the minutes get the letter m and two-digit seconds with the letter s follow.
1h00m29s
